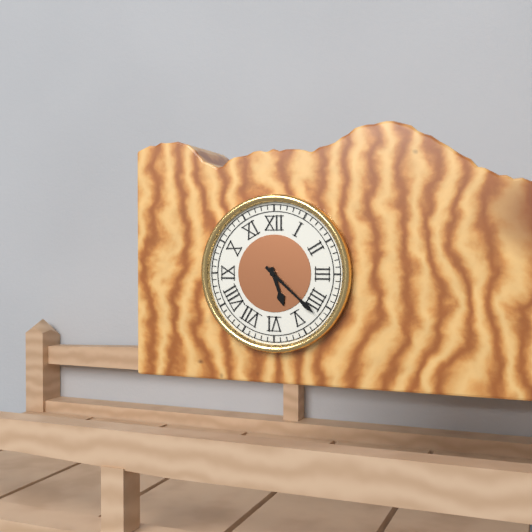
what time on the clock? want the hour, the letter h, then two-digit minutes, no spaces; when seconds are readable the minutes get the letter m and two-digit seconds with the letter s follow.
5h22
